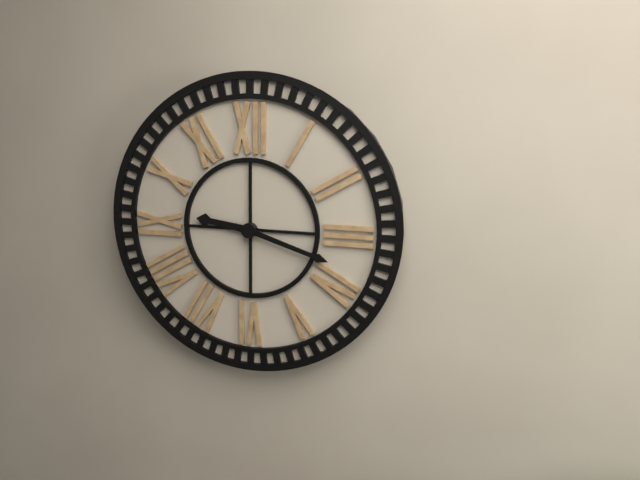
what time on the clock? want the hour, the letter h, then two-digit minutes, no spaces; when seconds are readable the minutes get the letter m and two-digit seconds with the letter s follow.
9h18
